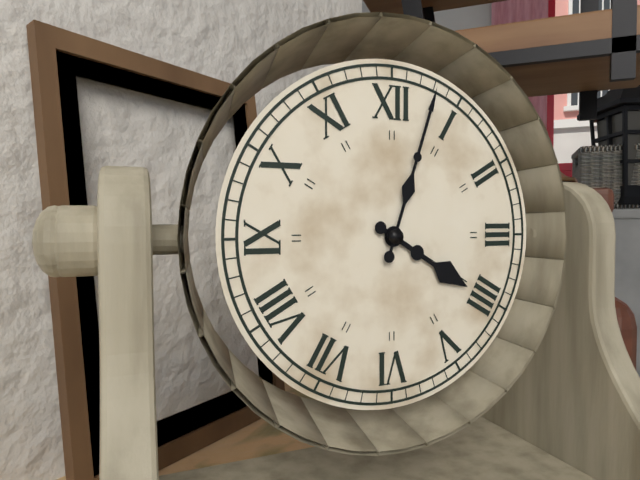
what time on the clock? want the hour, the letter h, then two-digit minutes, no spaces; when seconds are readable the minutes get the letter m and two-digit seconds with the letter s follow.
4h03
